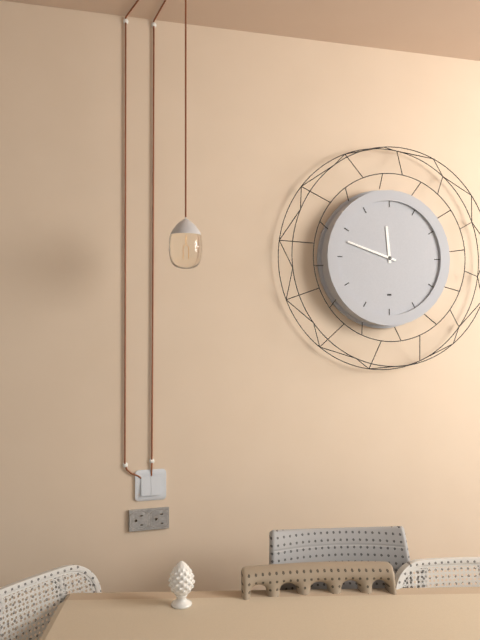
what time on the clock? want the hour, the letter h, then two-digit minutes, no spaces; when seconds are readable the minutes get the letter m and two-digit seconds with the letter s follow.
11h48
